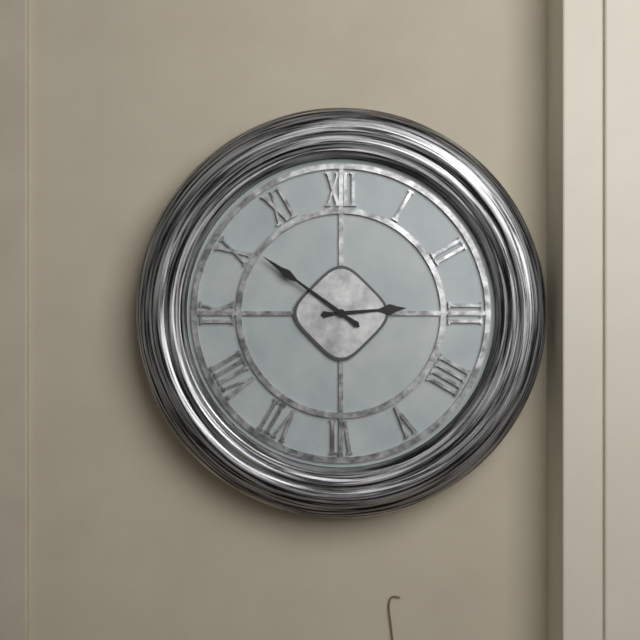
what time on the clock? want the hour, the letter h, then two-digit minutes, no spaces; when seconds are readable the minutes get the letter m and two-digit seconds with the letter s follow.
2h51
